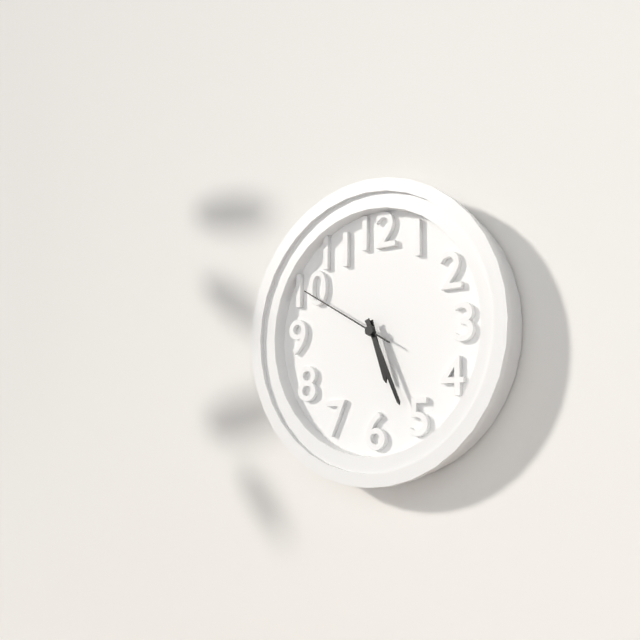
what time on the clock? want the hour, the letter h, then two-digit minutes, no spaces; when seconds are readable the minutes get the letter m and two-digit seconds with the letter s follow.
5h26m50s
